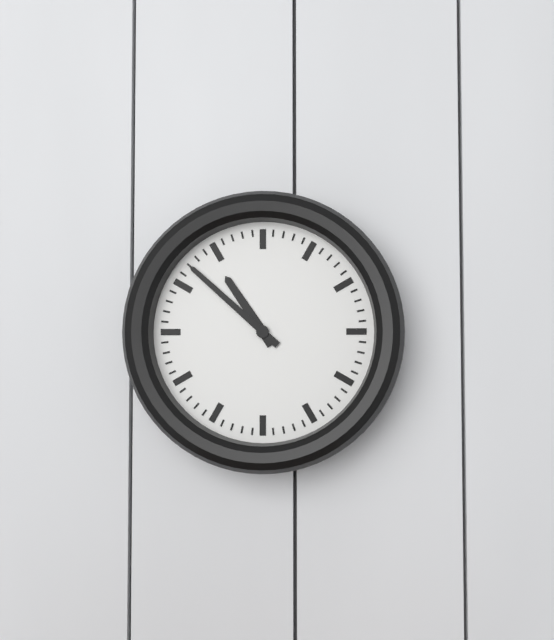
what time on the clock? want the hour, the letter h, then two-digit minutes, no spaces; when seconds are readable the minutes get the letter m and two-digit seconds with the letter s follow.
10h52
